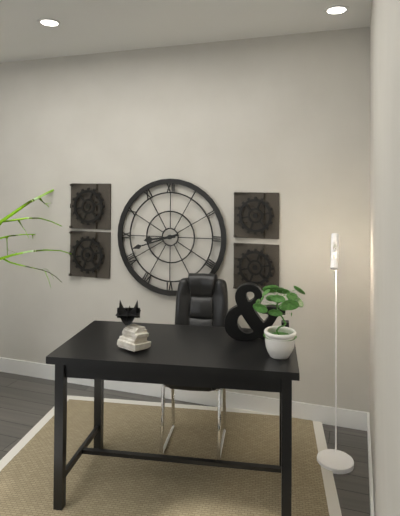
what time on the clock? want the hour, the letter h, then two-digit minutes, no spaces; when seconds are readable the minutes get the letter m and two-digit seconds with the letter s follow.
8h42
